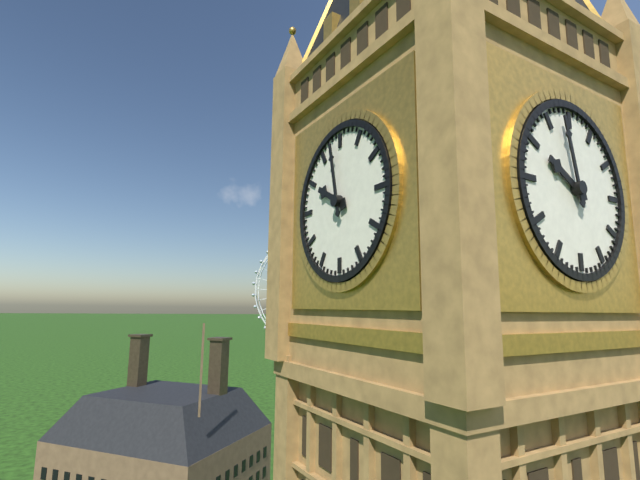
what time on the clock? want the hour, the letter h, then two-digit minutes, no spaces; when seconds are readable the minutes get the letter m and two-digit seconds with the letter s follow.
9h58
